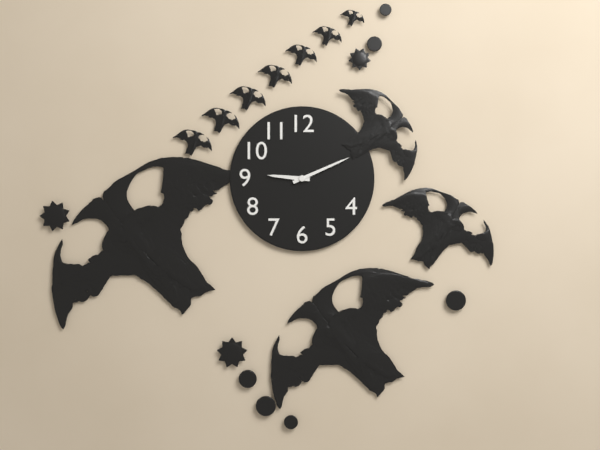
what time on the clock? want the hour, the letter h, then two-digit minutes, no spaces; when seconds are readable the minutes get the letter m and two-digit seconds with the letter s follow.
9h11
